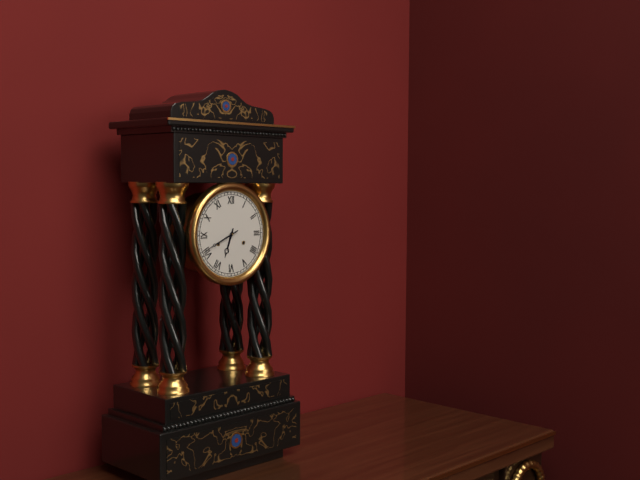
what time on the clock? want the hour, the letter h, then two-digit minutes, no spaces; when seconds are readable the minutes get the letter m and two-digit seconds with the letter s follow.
6h41
